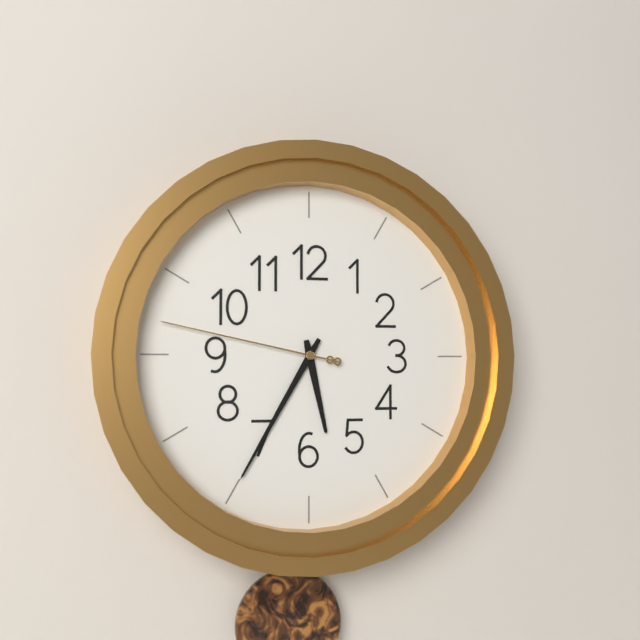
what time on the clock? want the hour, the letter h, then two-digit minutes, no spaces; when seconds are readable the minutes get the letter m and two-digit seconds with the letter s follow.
5h35m47s
